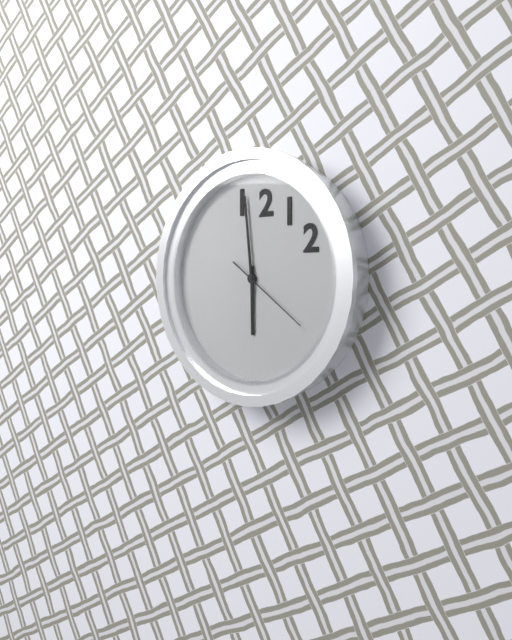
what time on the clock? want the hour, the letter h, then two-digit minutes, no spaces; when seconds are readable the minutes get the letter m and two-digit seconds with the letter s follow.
5h59m21s
